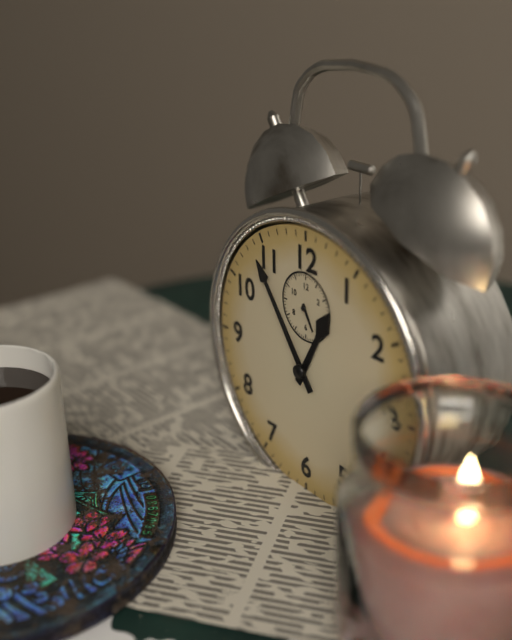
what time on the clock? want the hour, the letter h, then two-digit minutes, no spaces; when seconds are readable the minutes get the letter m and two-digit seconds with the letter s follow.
12h54
